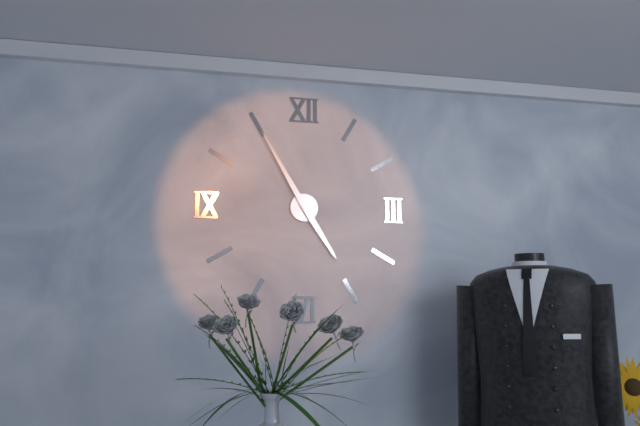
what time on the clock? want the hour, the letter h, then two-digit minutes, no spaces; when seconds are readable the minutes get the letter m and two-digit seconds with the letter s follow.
4h55
